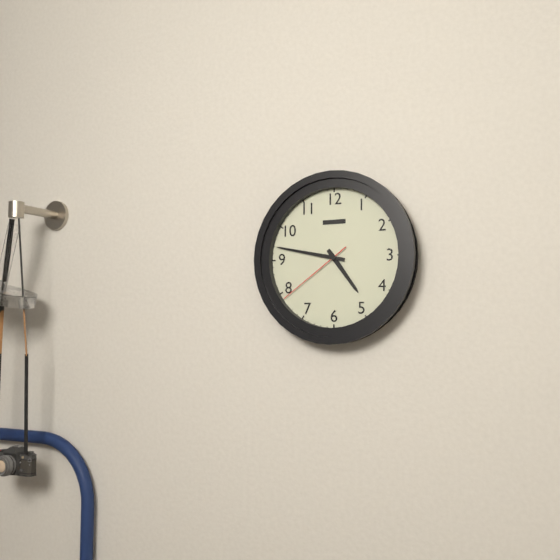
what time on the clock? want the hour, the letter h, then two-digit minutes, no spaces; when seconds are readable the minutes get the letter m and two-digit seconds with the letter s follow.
4h47m39s
